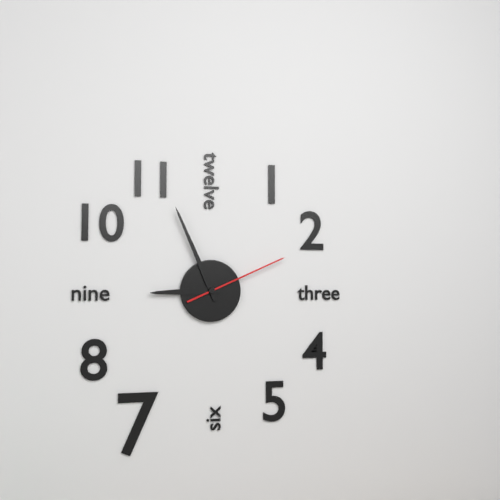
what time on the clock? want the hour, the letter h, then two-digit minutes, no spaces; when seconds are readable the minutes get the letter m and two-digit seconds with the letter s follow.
8h56m11s
